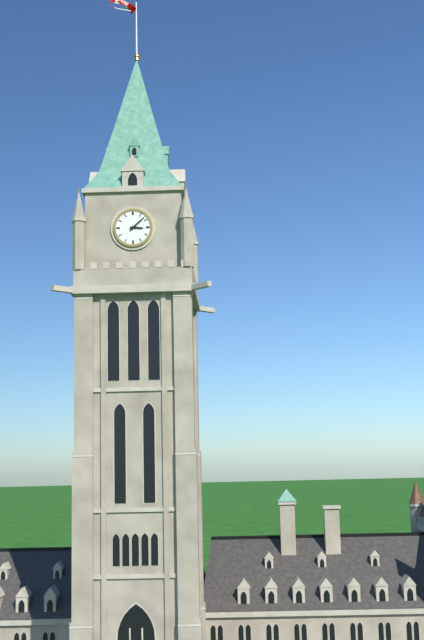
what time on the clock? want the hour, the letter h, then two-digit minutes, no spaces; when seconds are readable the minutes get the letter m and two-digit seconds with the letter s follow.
3h08
